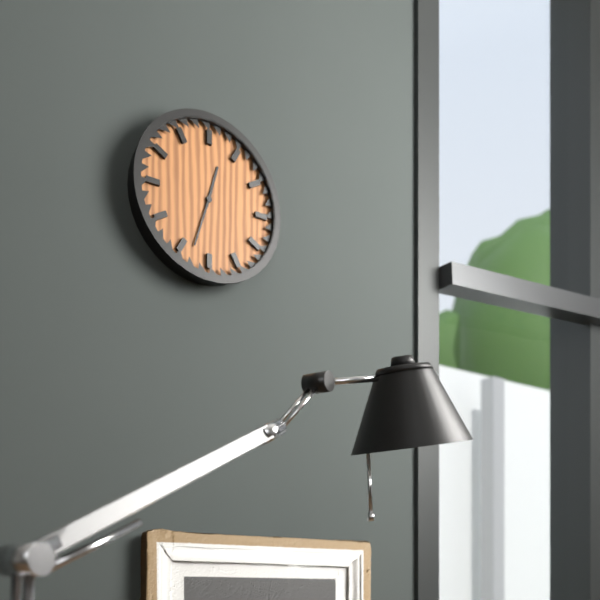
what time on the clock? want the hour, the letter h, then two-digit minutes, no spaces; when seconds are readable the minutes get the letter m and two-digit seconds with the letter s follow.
12h33
